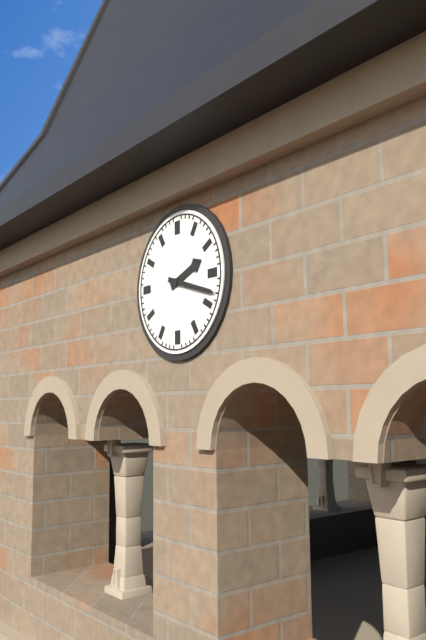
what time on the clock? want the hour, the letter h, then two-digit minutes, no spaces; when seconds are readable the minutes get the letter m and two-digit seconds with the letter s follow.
2h18
